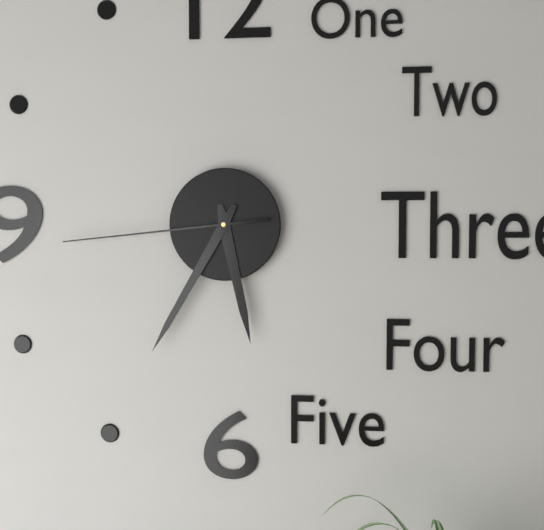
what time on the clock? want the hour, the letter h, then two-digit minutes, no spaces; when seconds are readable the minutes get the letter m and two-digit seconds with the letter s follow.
5h35m44s
